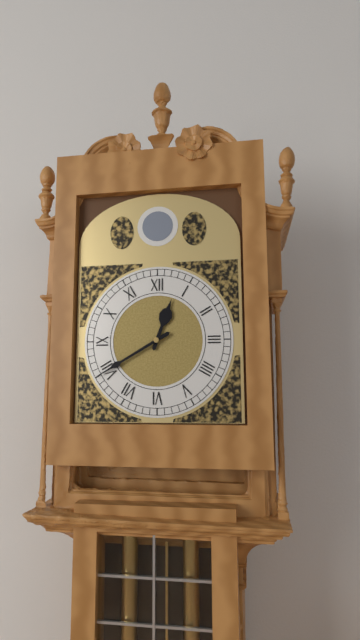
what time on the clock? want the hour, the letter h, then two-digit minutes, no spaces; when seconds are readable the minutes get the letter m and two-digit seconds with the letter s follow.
12h40
